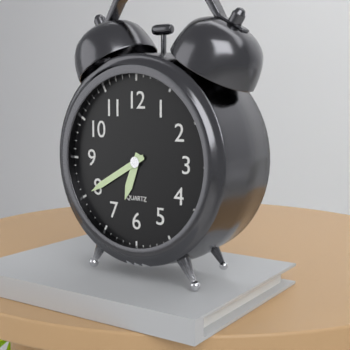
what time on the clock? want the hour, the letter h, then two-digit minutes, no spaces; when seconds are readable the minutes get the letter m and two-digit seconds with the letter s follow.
6h40
